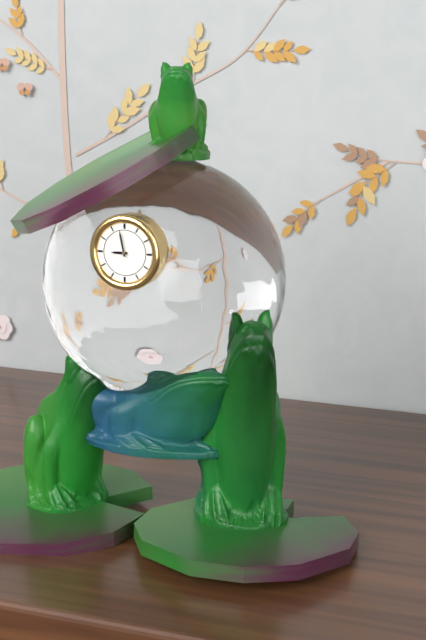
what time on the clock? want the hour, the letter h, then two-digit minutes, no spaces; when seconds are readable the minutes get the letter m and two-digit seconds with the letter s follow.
8h58
